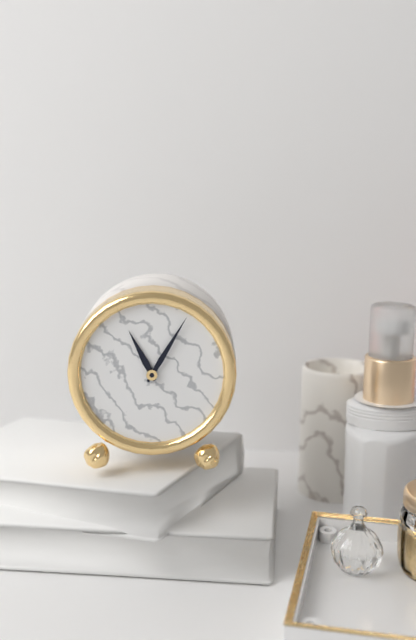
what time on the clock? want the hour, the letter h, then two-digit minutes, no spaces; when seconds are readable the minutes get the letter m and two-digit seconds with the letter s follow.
11h05
